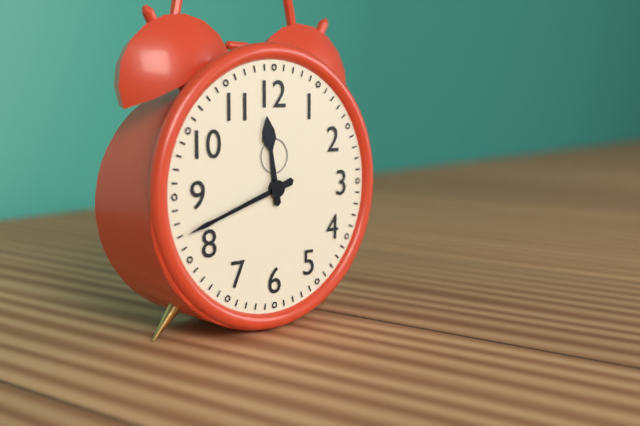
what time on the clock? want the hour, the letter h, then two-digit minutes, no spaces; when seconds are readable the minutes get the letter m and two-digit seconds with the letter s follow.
11h42
